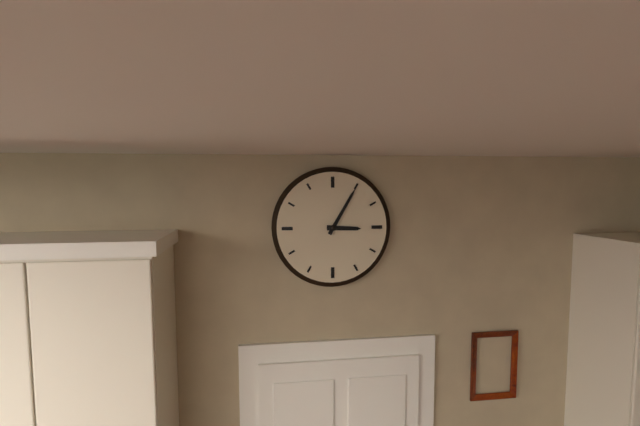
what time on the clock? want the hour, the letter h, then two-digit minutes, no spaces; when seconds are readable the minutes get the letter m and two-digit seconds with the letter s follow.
3h05
